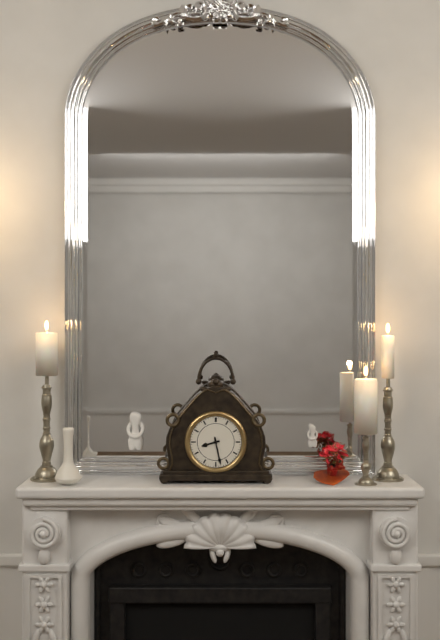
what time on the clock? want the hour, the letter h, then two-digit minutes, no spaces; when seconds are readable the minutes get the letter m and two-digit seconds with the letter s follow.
8h28
